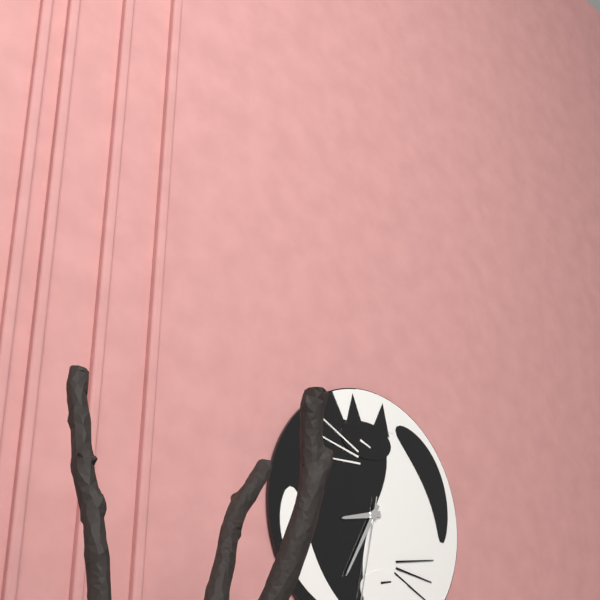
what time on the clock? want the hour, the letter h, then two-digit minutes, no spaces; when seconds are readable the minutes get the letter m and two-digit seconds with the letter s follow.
8h35
